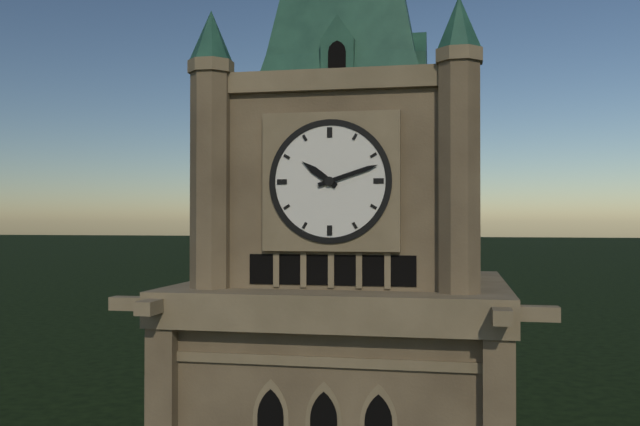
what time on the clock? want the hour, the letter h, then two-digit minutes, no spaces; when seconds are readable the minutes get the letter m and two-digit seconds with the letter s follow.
10h12
